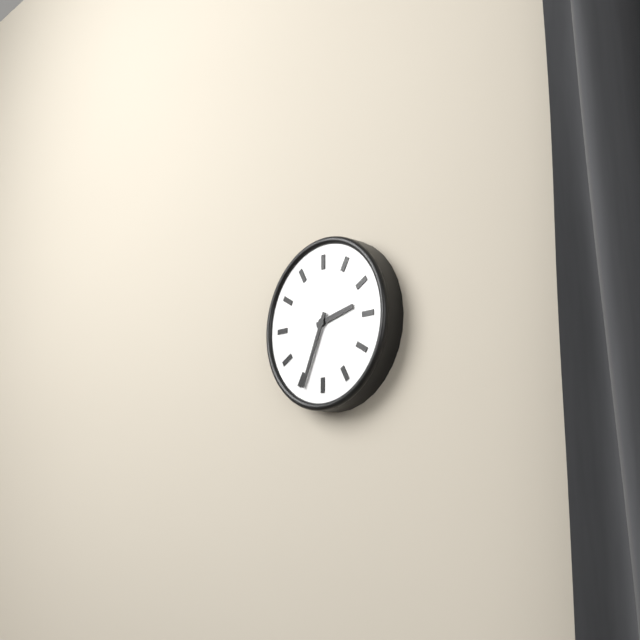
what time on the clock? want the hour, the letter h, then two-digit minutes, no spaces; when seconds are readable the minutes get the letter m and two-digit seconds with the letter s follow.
2h34
